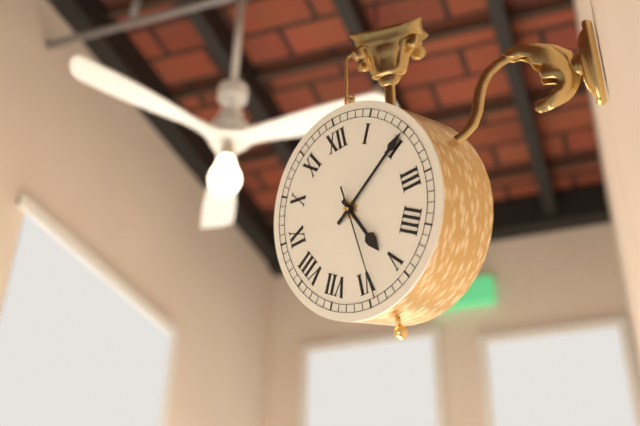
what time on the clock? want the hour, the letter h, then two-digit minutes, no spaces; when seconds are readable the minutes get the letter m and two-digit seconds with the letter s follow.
5h10m29s
